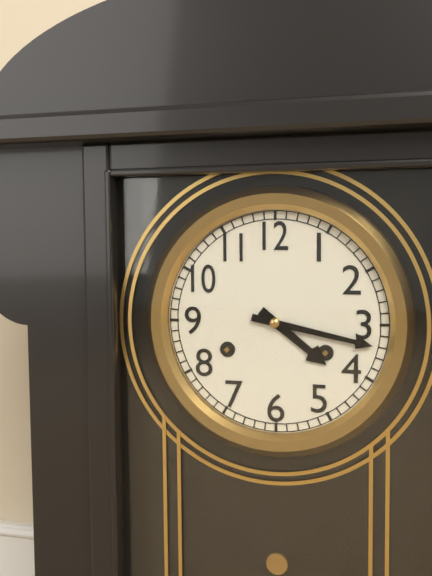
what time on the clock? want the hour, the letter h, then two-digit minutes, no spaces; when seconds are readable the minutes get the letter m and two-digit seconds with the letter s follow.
4h17
